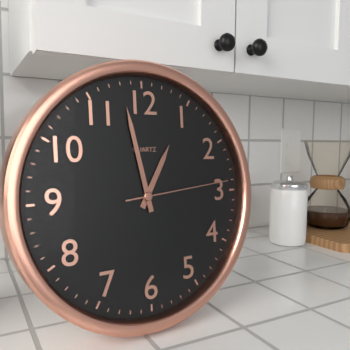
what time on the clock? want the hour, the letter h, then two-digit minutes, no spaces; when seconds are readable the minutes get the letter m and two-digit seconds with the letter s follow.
12h58m14s
